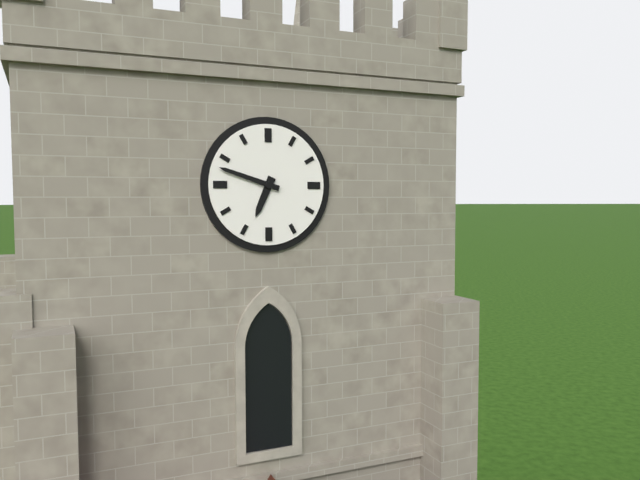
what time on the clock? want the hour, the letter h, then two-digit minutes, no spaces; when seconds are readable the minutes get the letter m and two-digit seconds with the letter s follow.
6h48
